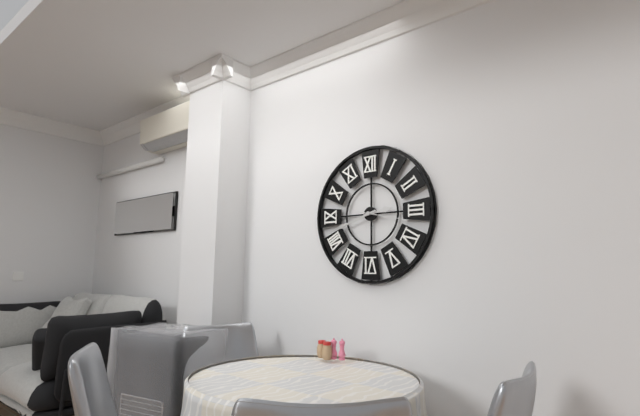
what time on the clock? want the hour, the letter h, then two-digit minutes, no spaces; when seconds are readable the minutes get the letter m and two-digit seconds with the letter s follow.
2h42
